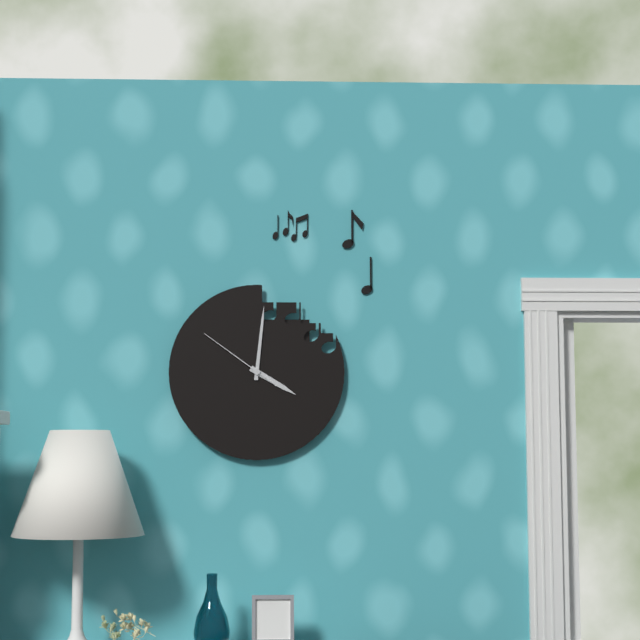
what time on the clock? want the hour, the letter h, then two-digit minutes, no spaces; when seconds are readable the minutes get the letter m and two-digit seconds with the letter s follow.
4h01m51s
